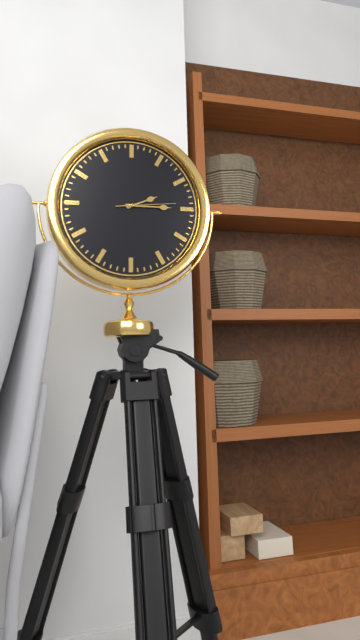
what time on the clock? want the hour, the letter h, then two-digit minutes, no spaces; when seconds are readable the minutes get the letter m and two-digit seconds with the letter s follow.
2h15m14s
